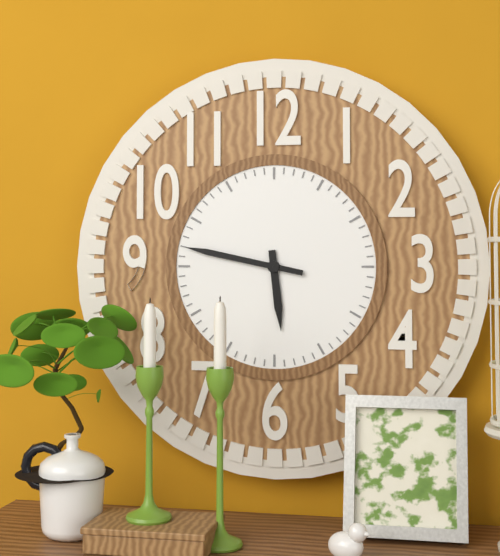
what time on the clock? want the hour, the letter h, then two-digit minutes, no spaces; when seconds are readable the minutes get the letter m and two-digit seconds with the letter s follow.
5h47
